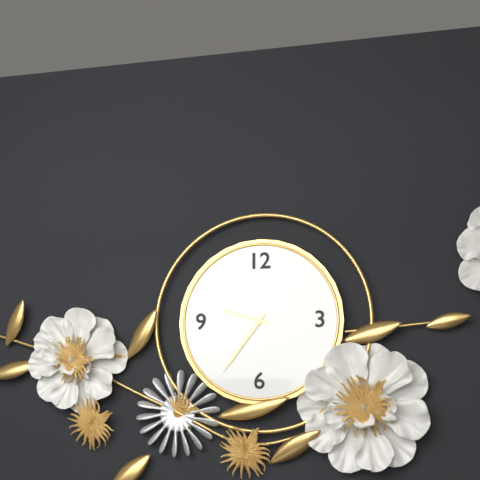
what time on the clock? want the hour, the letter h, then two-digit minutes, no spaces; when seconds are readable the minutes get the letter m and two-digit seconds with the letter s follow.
9h36
